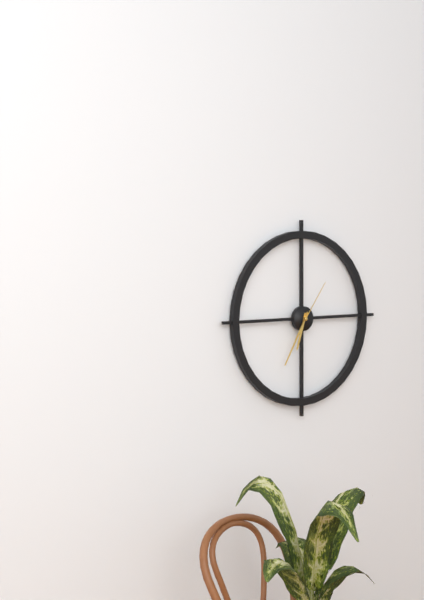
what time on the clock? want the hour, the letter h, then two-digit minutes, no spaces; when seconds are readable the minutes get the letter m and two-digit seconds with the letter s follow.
6h35m06s
